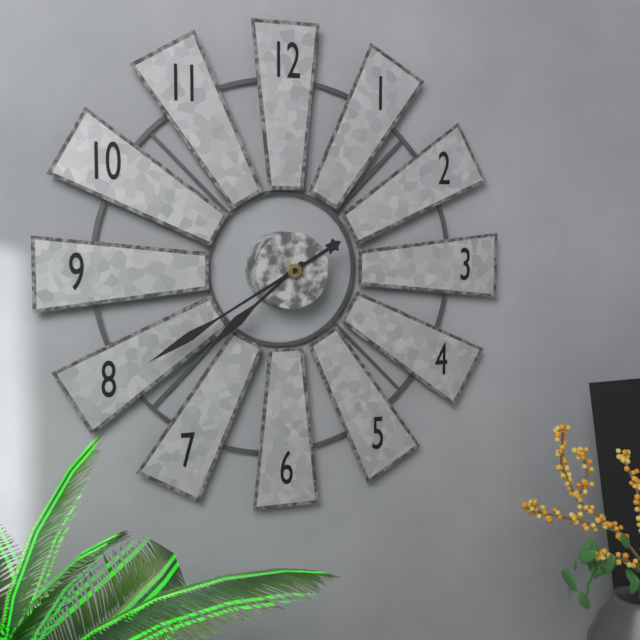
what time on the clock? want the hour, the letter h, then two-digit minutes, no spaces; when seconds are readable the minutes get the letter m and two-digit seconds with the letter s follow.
7h40
